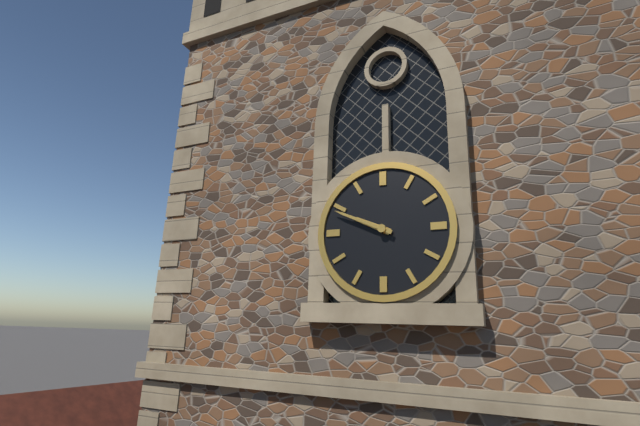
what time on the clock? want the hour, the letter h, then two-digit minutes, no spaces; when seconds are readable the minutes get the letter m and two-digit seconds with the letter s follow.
9h49
